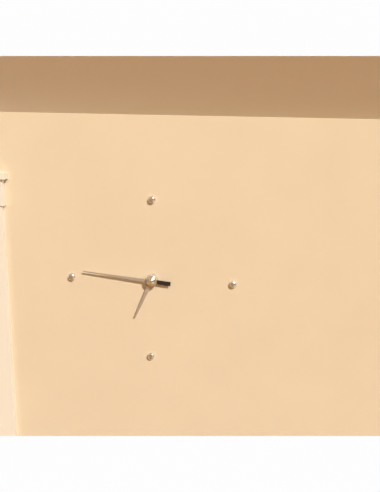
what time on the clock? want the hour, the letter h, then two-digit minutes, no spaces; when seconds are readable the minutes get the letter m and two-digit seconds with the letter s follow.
6h46
